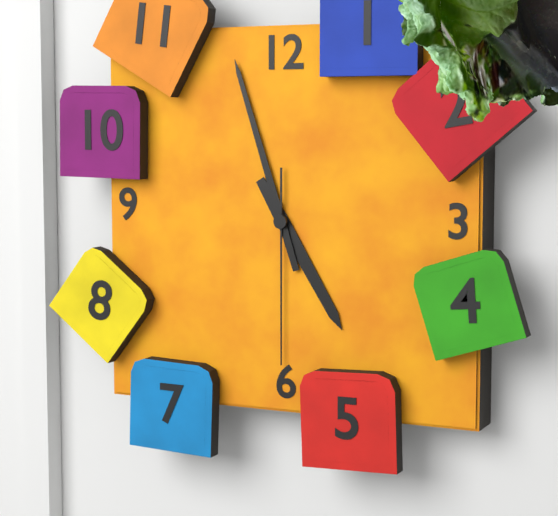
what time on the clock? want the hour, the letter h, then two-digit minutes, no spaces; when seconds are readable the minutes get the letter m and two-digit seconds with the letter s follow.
4h57m30s
